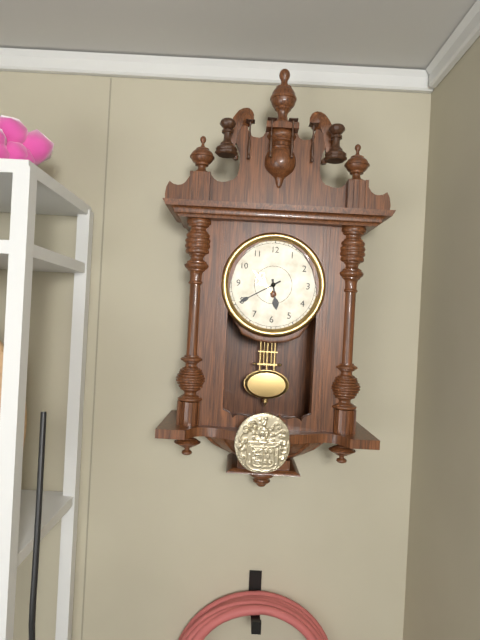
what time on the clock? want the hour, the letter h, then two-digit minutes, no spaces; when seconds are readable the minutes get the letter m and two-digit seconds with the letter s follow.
5h40
